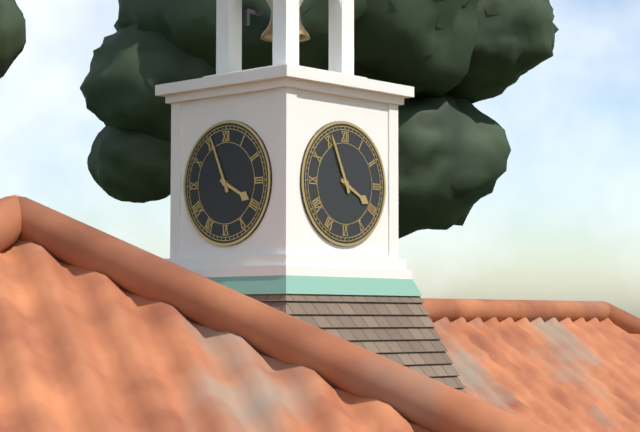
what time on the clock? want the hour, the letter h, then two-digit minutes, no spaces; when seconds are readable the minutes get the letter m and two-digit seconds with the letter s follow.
3h56
